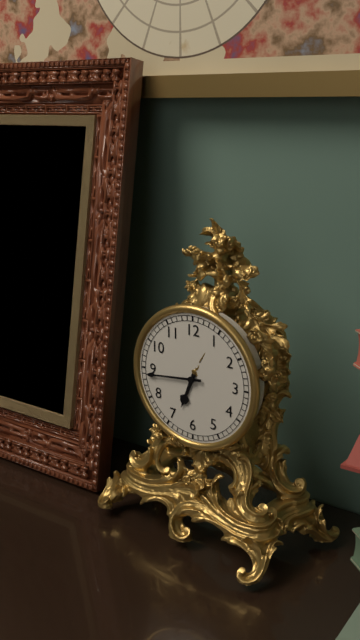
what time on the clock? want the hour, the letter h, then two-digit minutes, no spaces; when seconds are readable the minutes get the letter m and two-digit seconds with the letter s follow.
6h44
